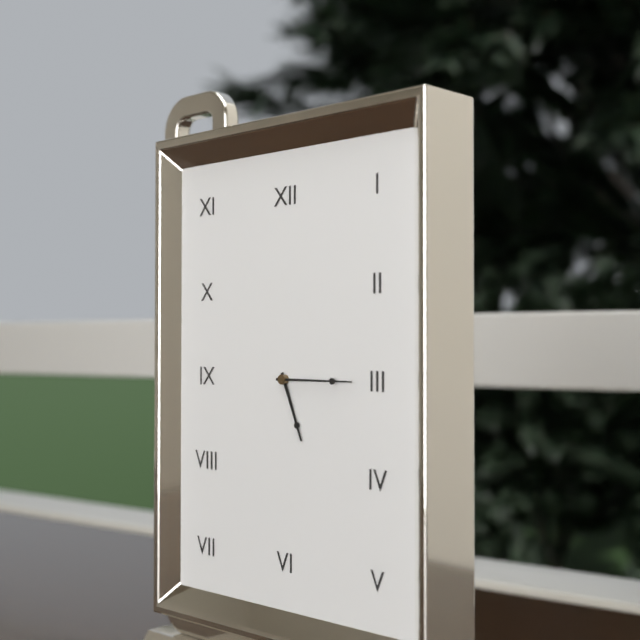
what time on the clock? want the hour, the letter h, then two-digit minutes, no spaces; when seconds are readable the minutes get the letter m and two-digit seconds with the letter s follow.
5h15
